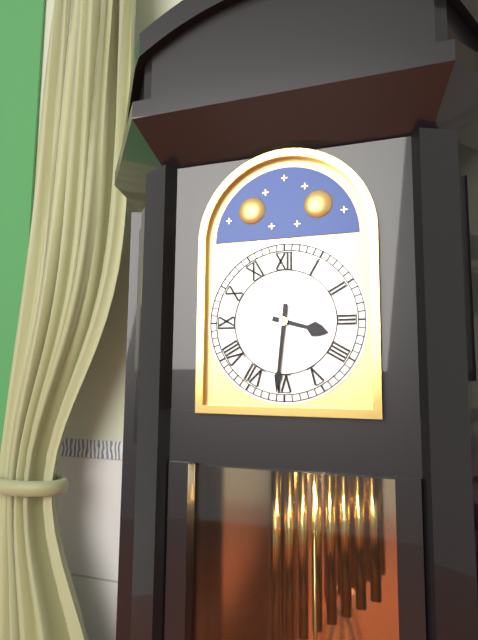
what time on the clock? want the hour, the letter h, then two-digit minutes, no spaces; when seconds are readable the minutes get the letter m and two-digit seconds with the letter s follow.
3h31
